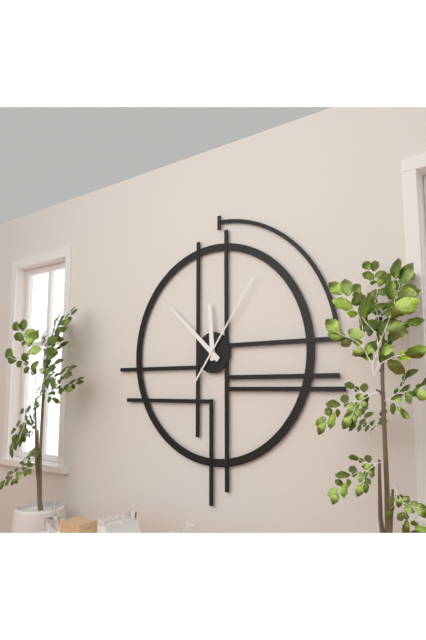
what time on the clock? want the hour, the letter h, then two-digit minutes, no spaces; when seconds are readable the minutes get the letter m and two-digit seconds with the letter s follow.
11h52m06s
